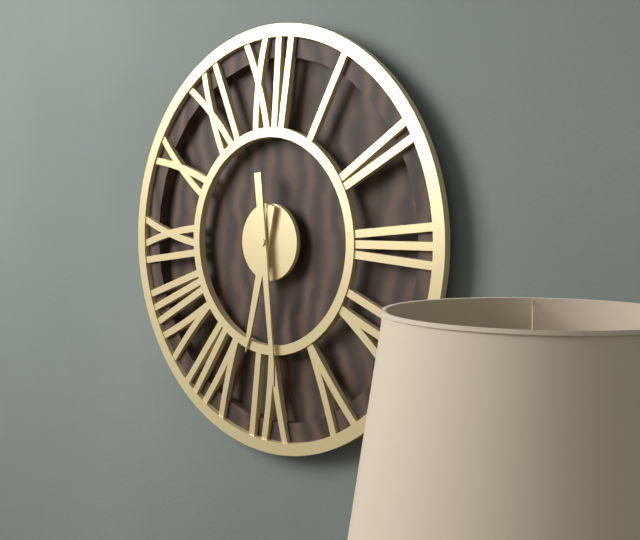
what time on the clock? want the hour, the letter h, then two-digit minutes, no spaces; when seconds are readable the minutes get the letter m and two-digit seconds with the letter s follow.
6h29
